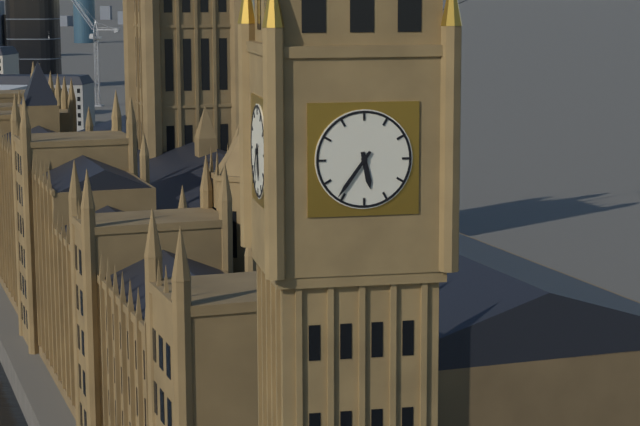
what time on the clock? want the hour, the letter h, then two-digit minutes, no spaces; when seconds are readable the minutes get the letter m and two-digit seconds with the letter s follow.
5h36
